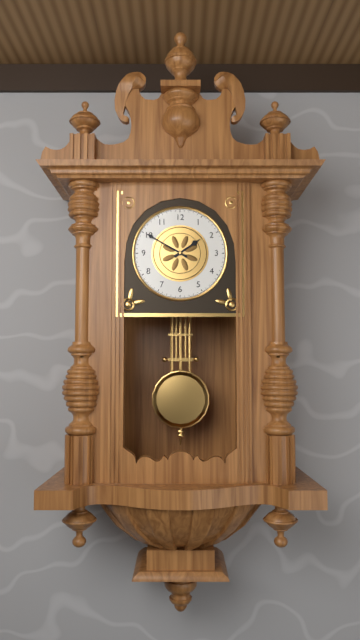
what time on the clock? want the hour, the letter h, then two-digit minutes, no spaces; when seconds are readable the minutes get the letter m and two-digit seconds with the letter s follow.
1h50
